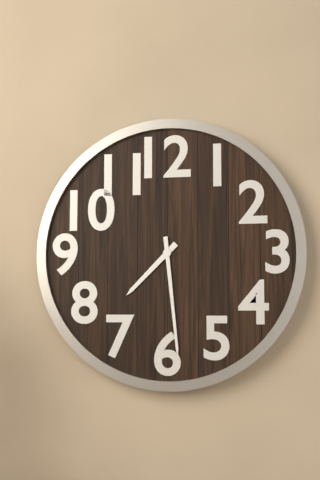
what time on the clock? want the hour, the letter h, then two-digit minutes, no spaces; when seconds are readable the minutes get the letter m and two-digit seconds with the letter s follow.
7h29
